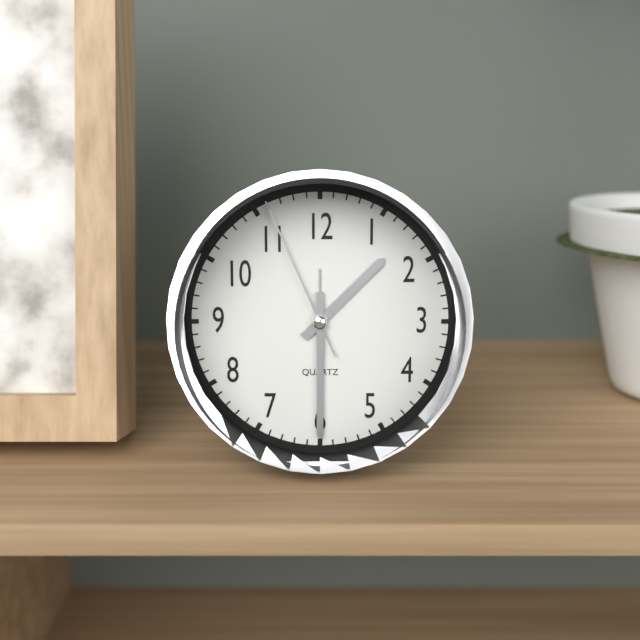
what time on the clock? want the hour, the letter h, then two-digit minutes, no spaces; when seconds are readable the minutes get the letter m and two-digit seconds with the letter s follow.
1h30m56s
